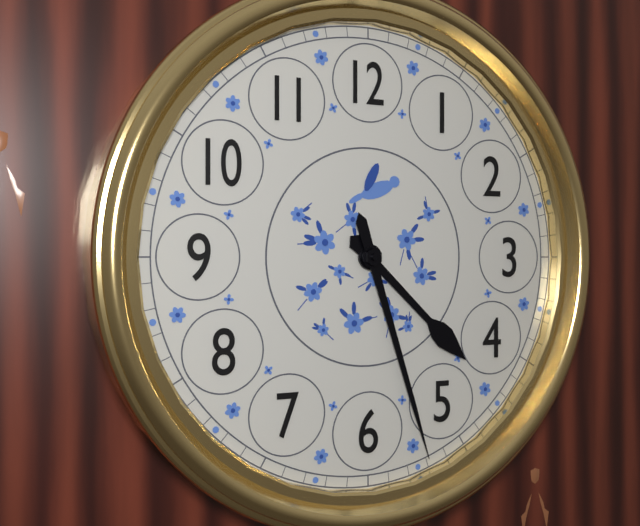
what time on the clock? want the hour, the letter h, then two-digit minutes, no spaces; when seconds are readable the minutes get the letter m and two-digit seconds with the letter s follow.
4h27
